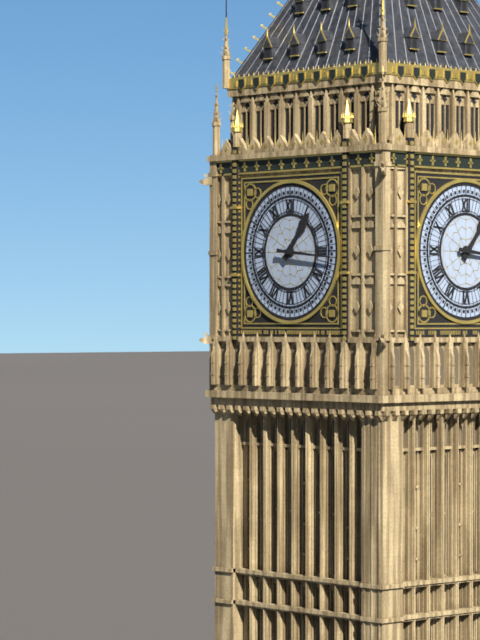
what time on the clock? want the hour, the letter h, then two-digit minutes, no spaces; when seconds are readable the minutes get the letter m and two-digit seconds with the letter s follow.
1h16
